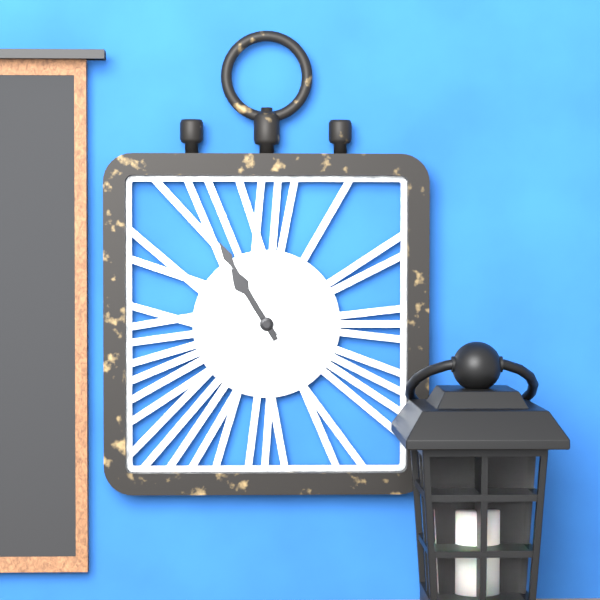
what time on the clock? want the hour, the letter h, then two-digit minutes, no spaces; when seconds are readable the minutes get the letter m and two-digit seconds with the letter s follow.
10h55
